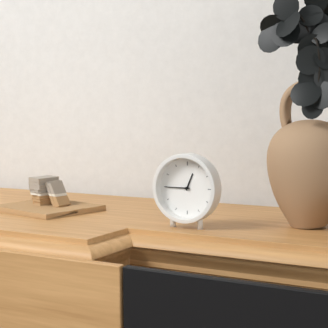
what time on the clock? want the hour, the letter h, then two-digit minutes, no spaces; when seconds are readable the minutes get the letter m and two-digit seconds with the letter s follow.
12h45
